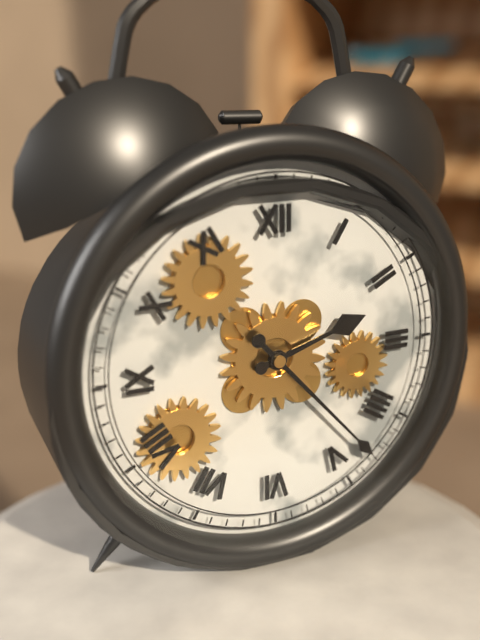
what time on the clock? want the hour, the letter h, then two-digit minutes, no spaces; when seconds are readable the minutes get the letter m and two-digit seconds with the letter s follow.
2h23
